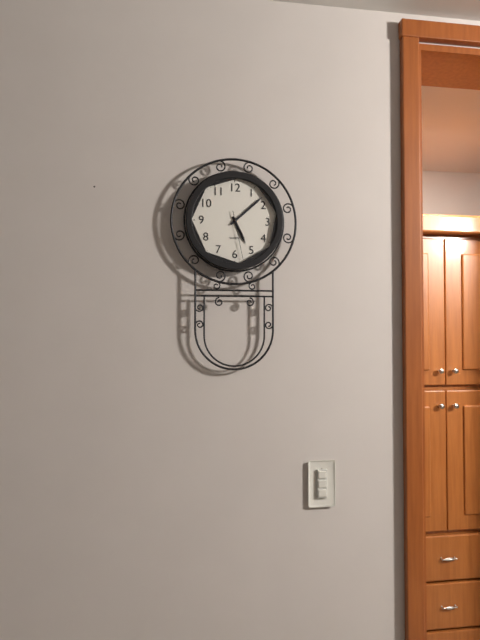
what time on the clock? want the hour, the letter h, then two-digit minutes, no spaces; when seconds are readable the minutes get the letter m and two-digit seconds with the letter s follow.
5h08m28s
